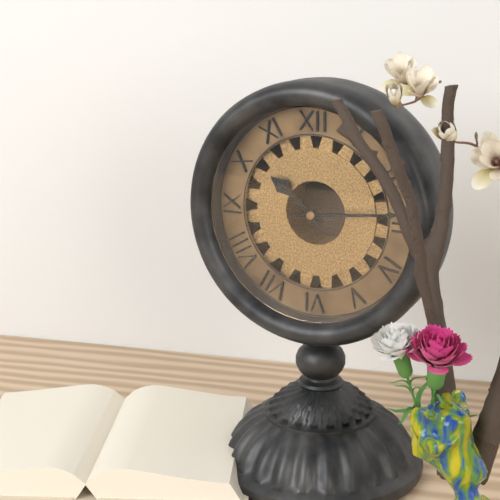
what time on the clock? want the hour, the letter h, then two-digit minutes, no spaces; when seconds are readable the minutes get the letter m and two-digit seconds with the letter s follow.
10h14
